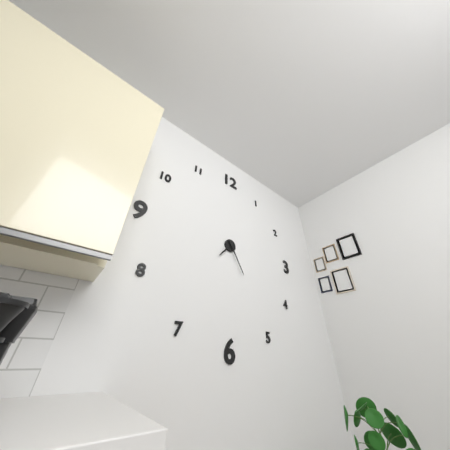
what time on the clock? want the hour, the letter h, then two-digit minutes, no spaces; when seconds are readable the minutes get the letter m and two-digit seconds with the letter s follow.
7h25
